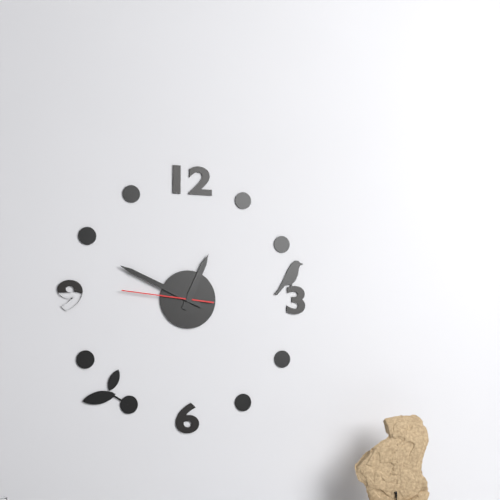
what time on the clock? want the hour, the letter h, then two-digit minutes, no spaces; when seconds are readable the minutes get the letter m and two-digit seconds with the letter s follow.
12h49m46s
